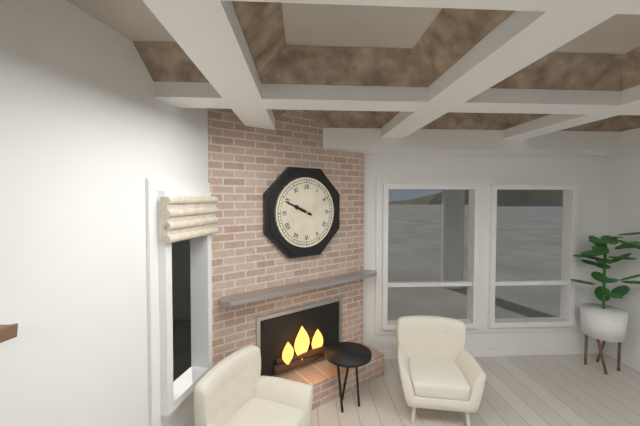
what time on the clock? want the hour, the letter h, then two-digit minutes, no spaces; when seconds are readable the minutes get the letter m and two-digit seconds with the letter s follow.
9h49
